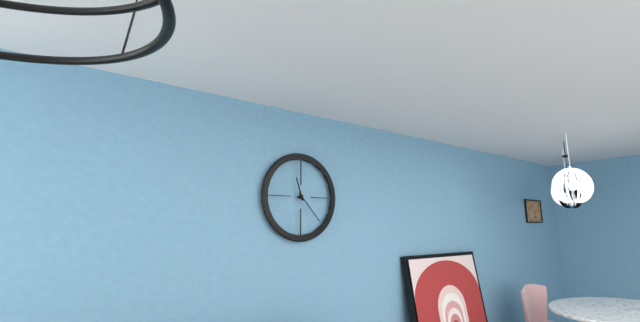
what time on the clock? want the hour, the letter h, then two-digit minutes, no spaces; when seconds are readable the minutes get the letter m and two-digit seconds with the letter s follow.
11h23
